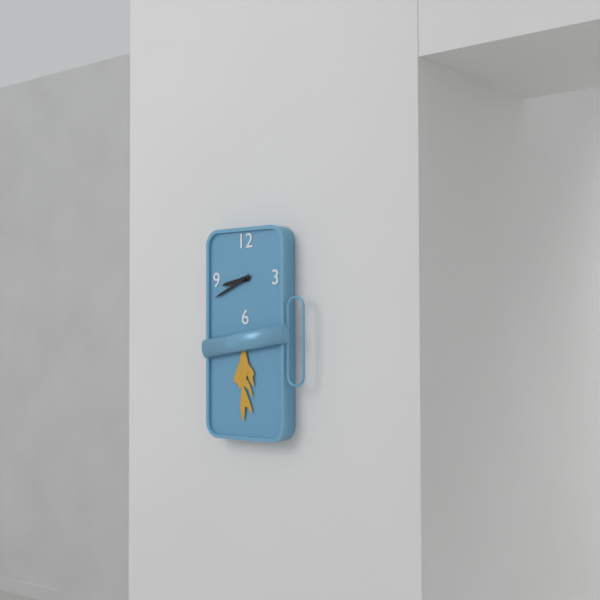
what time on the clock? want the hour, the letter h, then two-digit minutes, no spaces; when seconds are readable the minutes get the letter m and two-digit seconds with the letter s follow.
8h41
